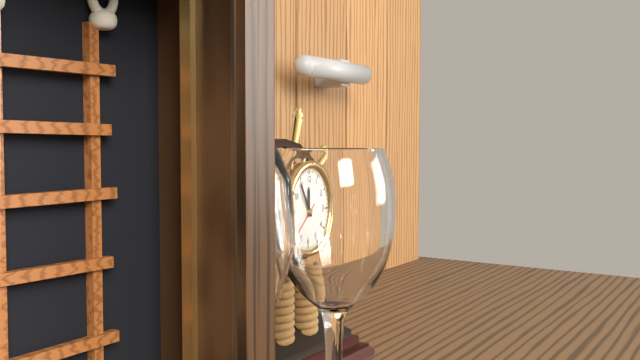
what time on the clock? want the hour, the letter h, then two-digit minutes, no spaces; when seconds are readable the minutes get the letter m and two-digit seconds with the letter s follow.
11h54
